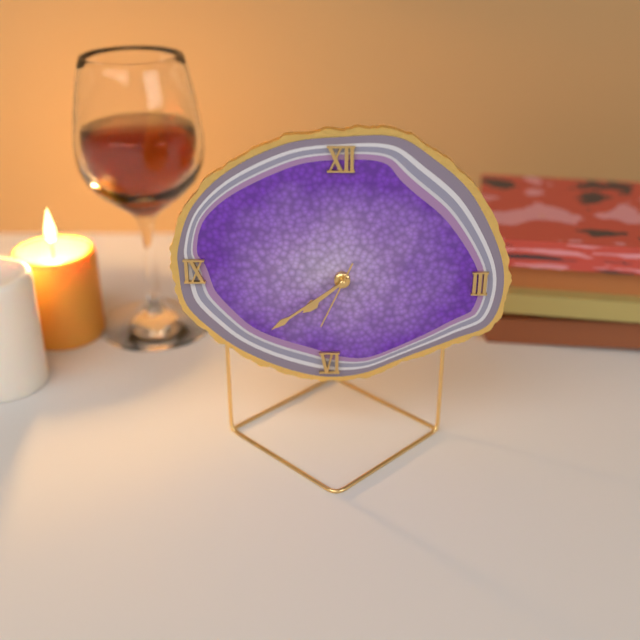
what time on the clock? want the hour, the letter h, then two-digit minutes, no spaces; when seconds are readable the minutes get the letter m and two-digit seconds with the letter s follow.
7h39m34s
